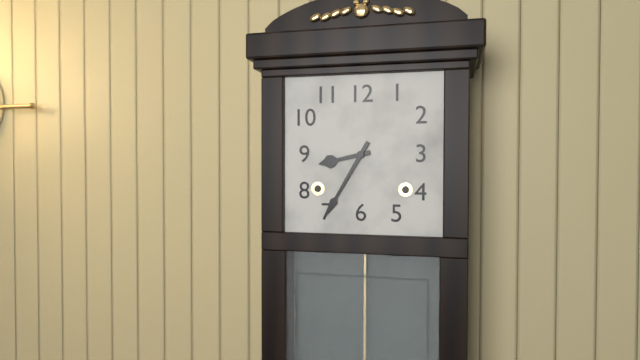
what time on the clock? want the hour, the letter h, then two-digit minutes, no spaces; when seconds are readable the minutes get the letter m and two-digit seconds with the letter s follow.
8h35
